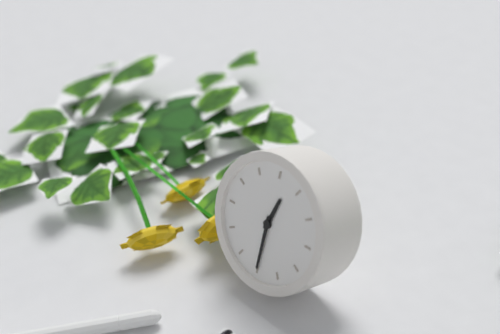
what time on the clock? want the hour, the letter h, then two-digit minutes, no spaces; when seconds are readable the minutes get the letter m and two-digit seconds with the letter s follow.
12h30
